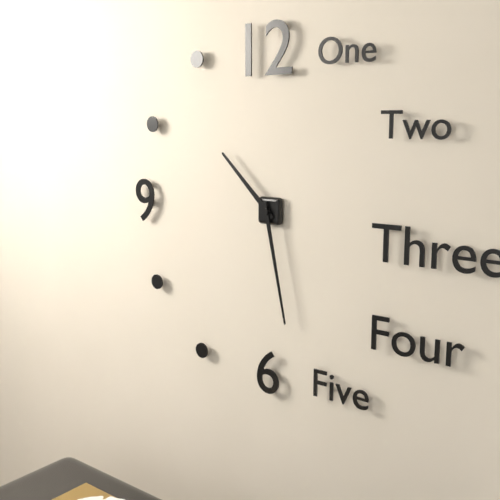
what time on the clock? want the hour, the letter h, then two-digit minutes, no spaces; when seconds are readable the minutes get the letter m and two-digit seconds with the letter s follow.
10h28
